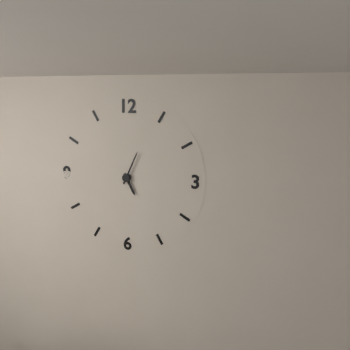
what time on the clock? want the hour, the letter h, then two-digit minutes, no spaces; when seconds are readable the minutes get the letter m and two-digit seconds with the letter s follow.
5h04
